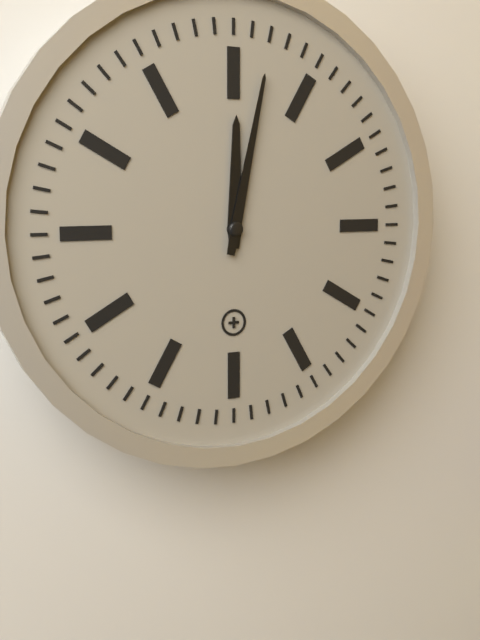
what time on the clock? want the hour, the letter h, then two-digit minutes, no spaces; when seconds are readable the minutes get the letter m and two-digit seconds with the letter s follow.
12h02
